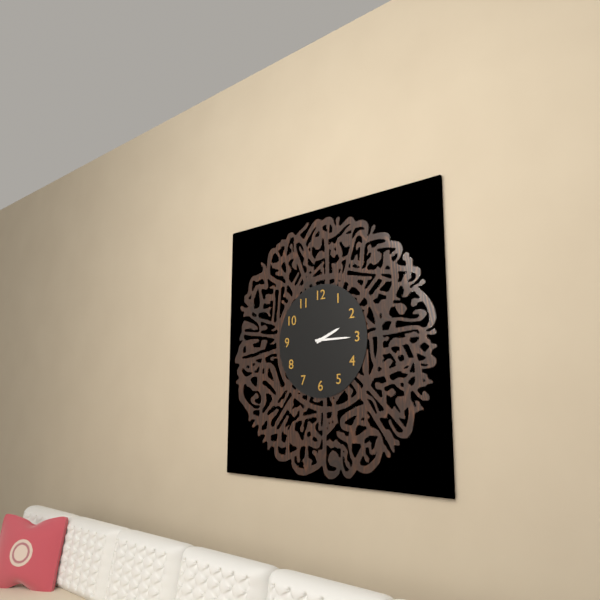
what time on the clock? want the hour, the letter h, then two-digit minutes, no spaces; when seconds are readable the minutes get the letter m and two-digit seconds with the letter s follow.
2h15
